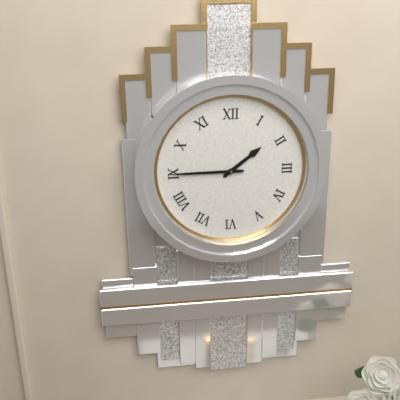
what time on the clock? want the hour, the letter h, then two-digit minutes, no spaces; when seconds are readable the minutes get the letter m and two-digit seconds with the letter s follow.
1h45
